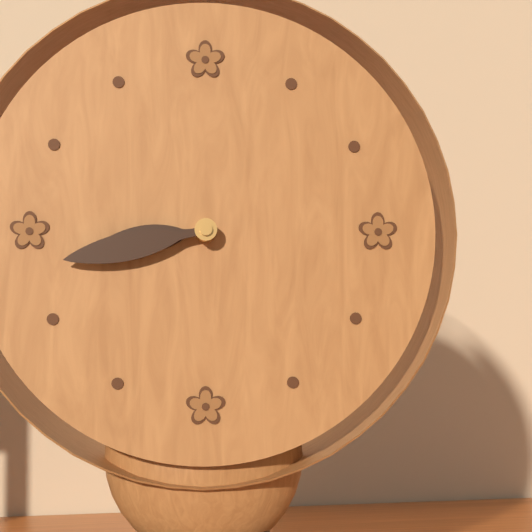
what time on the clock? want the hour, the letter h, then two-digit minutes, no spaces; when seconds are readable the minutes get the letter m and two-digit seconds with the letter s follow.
8h43
